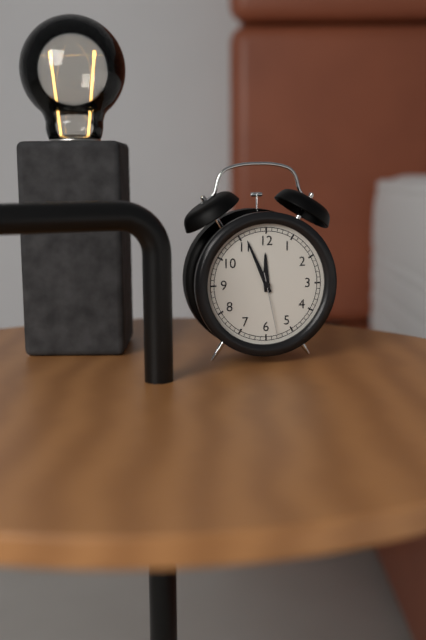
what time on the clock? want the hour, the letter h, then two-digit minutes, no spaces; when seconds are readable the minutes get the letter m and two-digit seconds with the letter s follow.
11h56m28s
